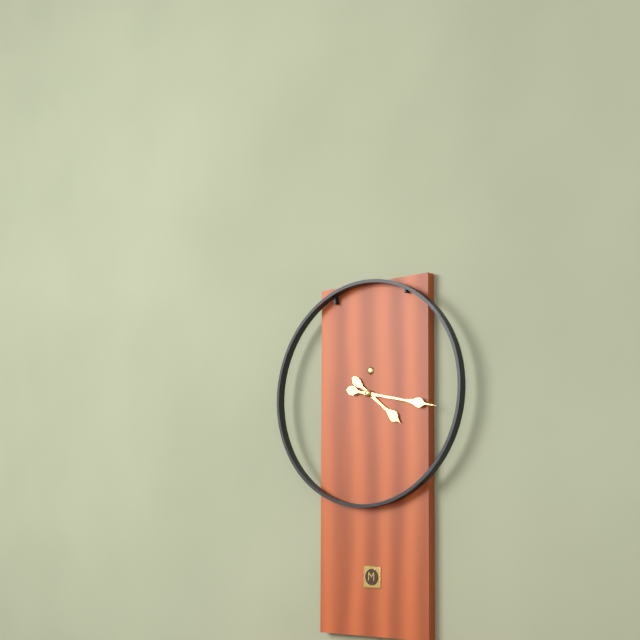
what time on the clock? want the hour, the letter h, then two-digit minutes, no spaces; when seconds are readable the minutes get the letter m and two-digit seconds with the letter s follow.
4h17
